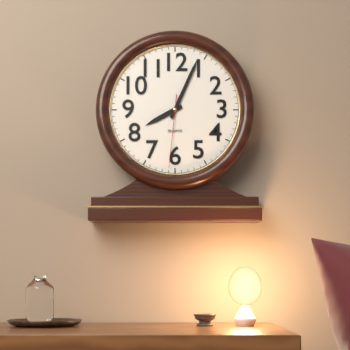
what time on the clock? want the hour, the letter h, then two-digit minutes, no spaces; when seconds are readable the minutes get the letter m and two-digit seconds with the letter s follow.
8h04m31s
